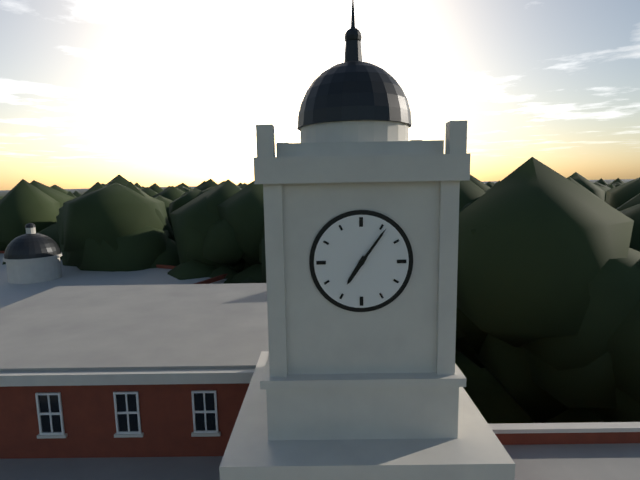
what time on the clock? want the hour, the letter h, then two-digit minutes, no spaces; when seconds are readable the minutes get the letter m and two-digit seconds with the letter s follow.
7h06
